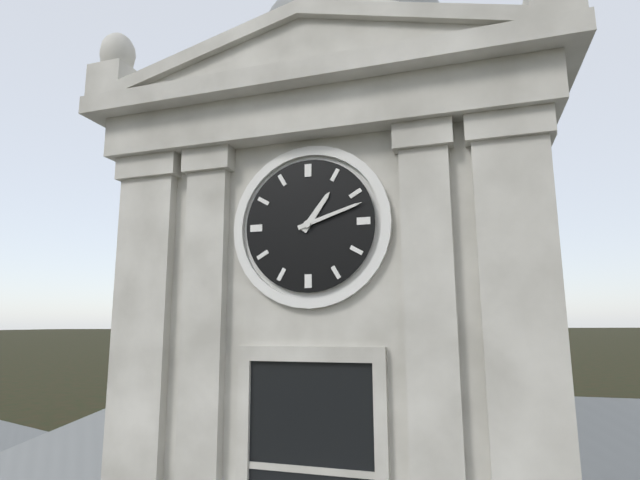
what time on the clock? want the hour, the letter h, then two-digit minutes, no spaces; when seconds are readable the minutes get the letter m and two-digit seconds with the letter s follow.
1h12
